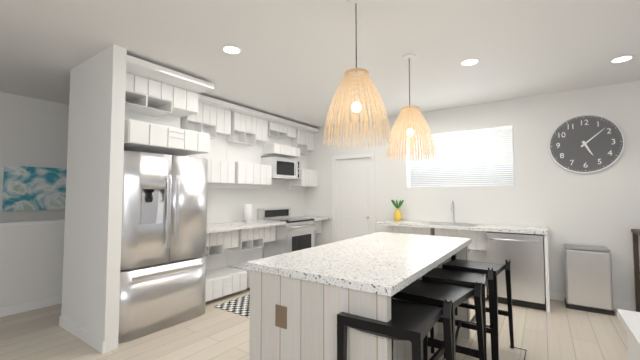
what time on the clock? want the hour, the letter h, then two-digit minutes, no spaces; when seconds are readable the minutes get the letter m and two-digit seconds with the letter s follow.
5h08
